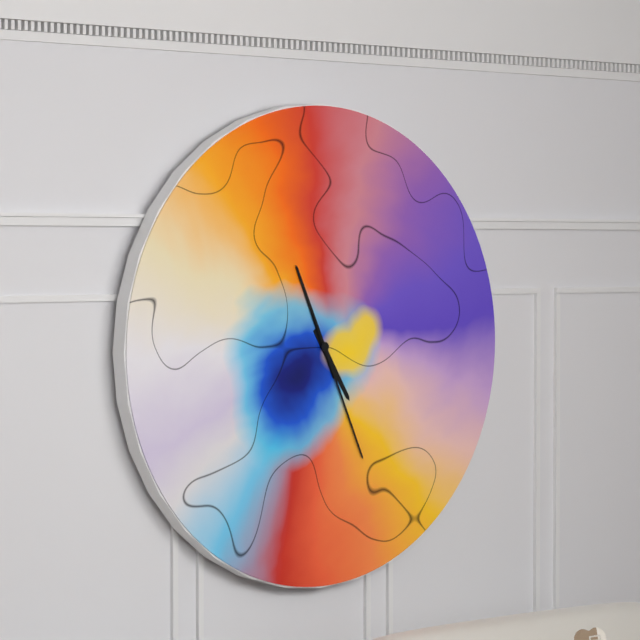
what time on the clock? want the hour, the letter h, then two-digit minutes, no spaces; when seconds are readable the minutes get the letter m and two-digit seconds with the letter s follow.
4h56m26s
